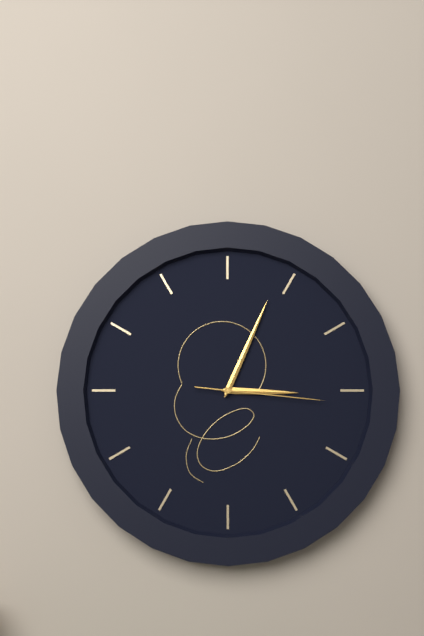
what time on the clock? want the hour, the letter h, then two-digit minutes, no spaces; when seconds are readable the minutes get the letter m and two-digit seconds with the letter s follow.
3h04m16s
